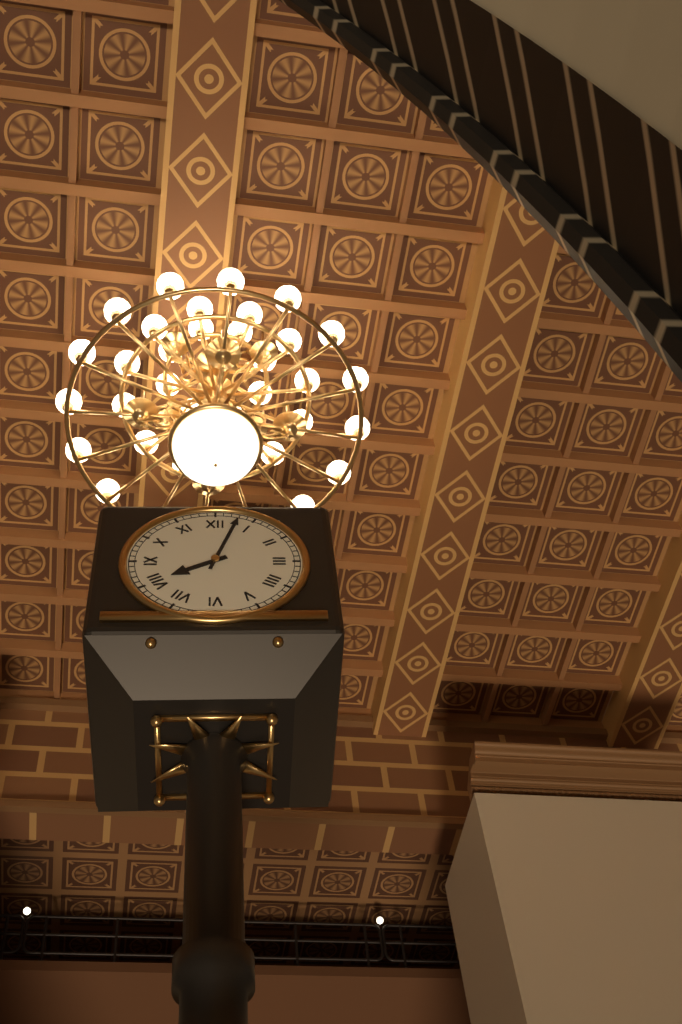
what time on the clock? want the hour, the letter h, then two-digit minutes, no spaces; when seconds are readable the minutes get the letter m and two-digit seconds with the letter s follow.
8h03
